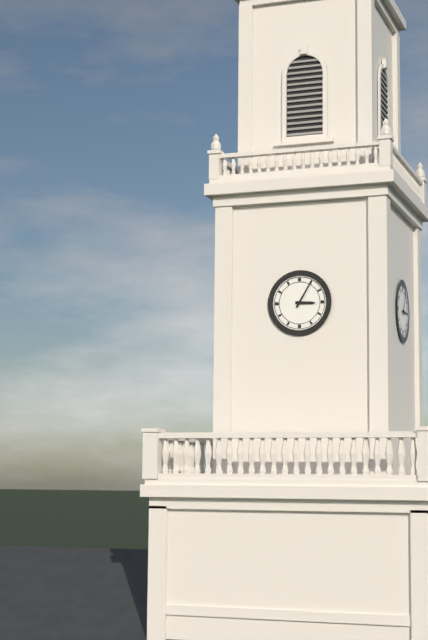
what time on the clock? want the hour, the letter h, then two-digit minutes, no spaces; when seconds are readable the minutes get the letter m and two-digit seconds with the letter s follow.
3h05
